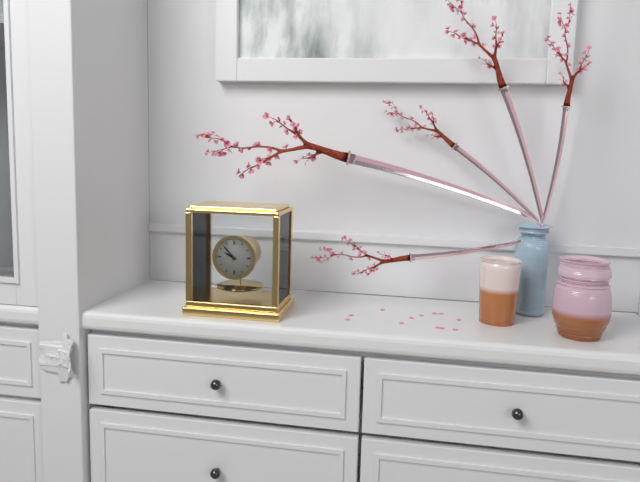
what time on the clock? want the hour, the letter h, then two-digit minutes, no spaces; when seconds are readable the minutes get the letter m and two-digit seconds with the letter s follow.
9h53
